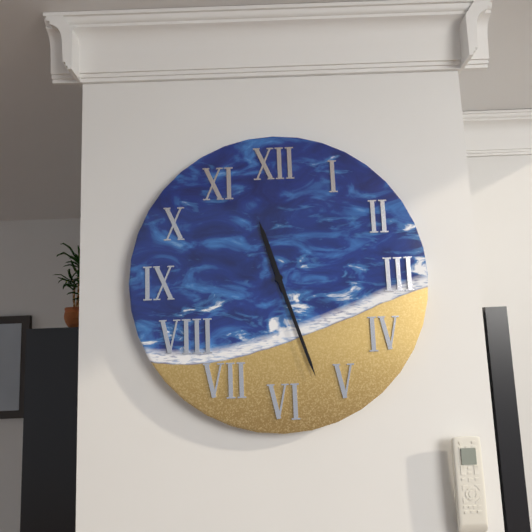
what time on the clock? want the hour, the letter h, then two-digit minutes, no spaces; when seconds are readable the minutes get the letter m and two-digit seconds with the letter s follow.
11h27
